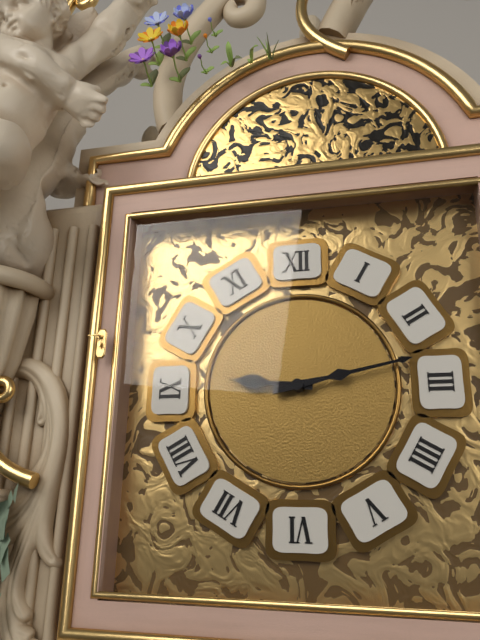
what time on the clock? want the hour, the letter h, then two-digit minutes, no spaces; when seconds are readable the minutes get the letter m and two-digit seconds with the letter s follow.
9h13
